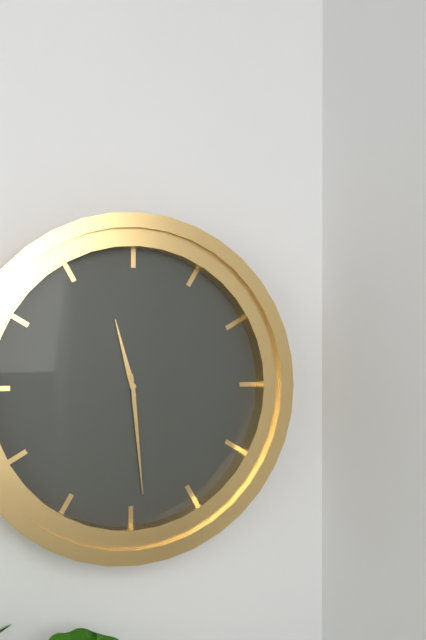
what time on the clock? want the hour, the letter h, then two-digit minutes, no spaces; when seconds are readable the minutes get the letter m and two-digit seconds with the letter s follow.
11h29
